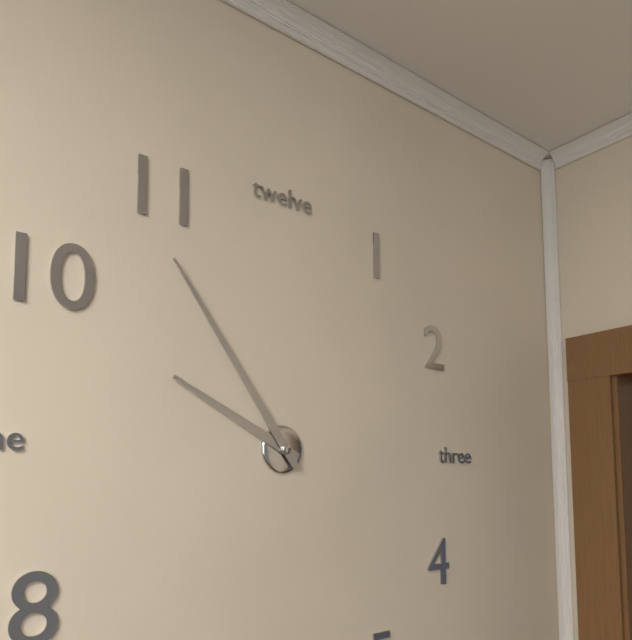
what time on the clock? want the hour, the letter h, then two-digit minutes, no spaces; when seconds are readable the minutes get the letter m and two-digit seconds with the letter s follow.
9h54
